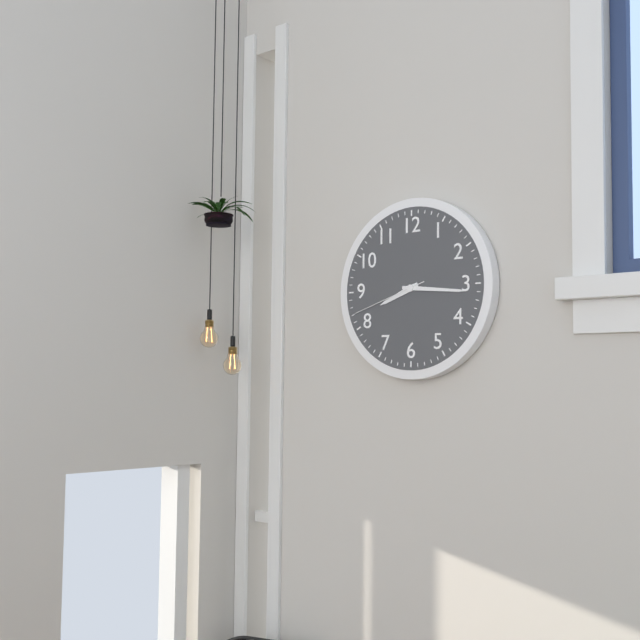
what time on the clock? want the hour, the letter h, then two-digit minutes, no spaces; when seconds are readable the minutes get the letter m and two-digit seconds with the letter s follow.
8h16m42s
